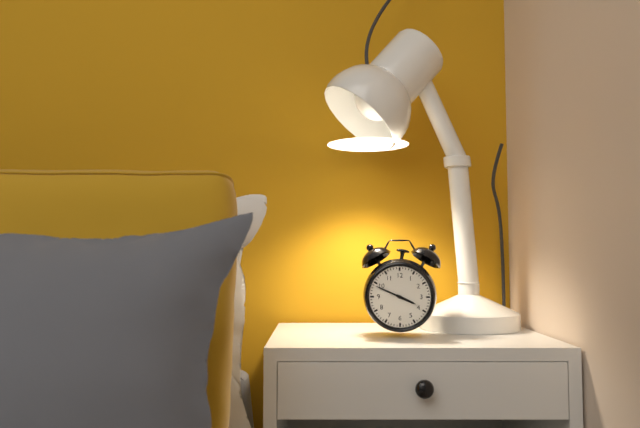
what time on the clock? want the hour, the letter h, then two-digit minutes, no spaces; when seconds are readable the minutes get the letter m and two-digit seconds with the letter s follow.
3h49
